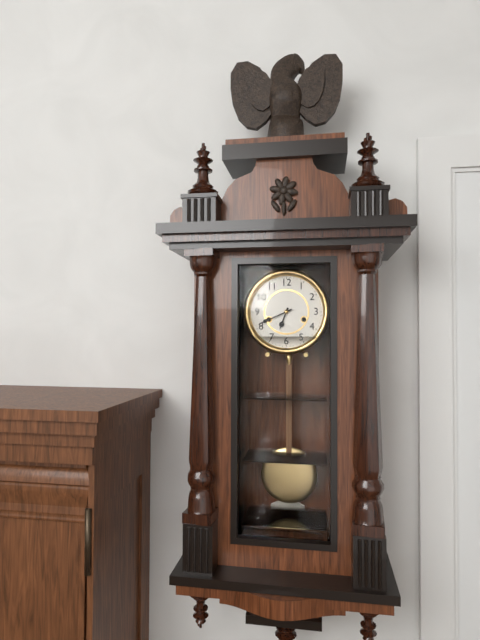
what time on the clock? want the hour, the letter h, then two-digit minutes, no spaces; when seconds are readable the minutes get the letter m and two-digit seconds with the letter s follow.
6h41
